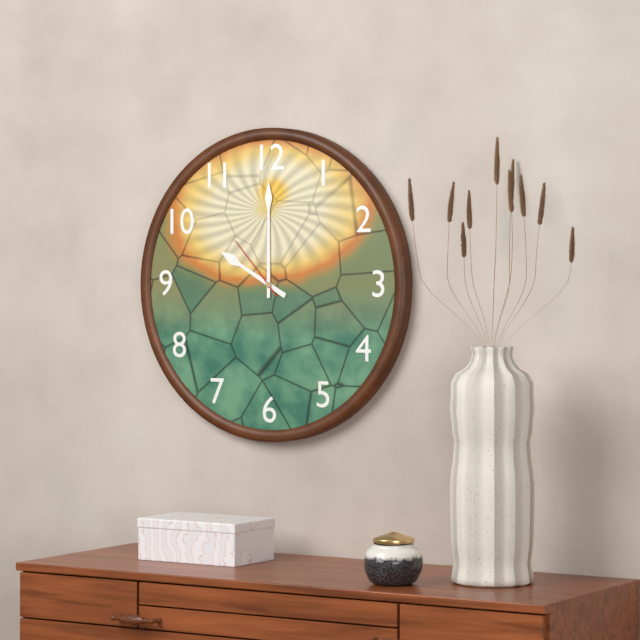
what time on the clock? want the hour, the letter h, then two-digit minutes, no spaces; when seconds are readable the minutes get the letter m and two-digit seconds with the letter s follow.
10h00m53s
